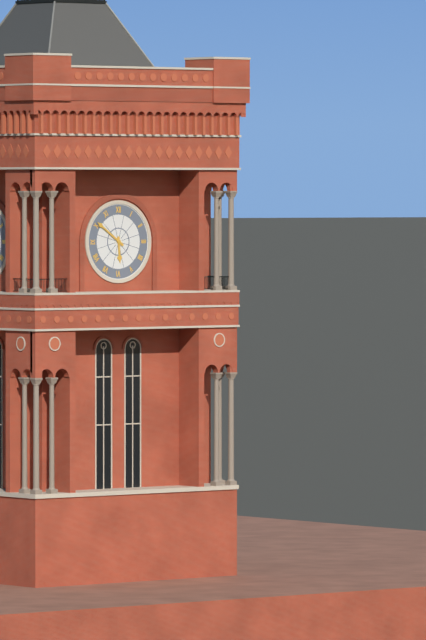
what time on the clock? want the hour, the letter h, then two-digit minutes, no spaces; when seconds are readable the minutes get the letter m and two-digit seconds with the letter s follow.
5h51
